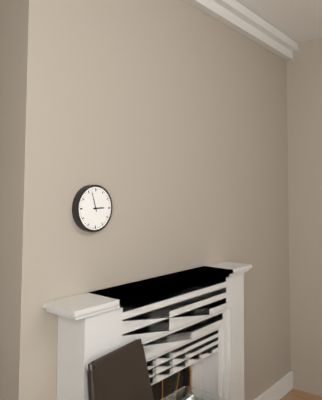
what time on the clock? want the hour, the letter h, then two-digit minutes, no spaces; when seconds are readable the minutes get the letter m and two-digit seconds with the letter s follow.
2h57
